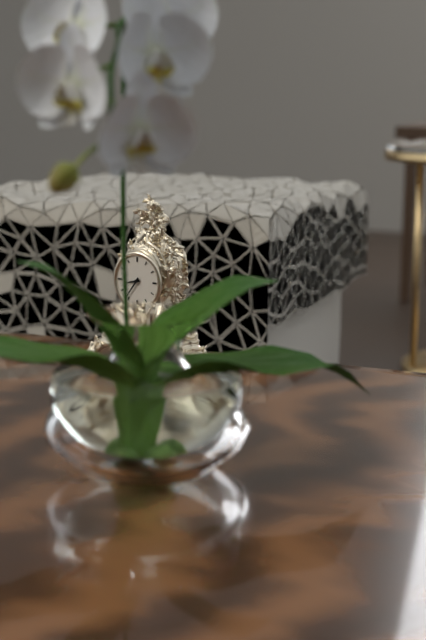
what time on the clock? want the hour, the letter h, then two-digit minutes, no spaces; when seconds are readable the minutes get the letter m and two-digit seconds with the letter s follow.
8h36
